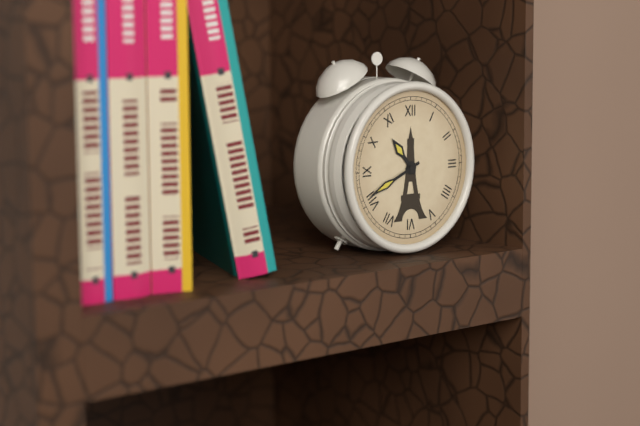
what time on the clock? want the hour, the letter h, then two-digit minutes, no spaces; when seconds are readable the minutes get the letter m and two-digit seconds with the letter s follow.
10h41
